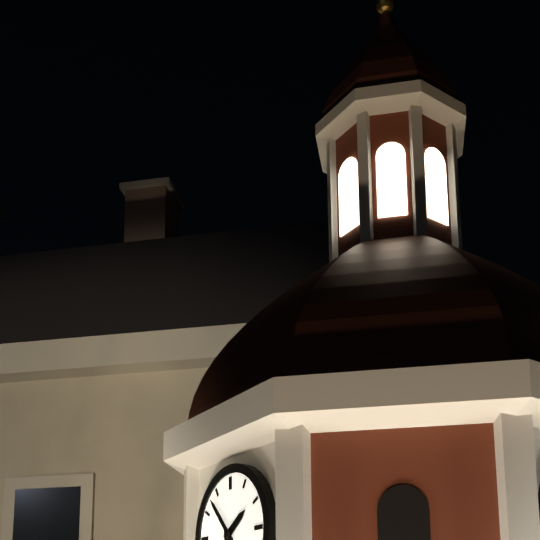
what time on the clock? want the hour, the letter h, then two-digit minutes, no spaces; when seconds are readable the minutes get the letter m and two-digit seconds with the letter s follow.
1h53
